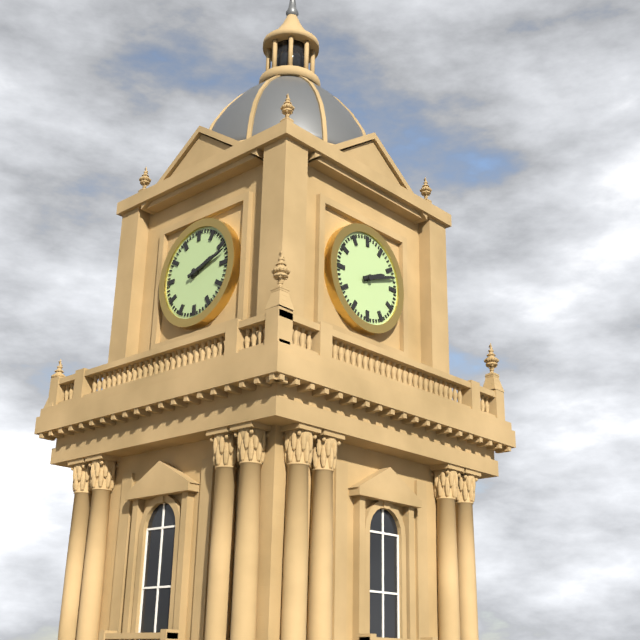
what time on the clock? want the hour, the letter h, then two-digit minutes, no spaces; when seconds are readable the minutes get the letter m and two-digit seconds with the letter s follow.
2h12
